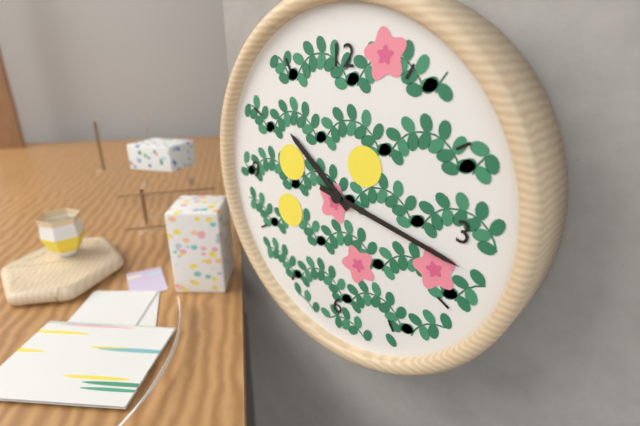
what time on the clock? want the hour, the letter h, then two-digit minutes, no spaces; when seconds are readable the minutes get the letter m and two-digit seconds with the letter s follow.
10h17
